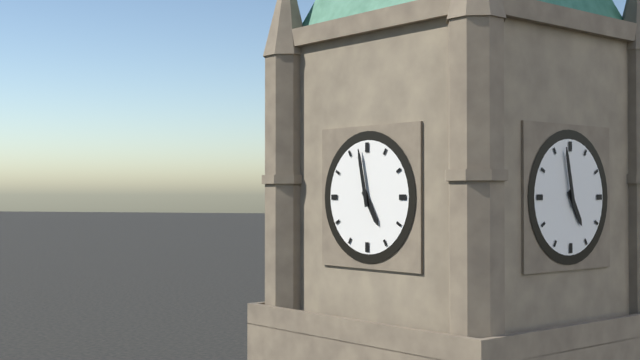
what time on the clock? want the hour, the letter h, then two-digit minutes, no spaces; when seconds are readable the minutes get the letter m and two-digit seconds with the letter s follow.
4h58
